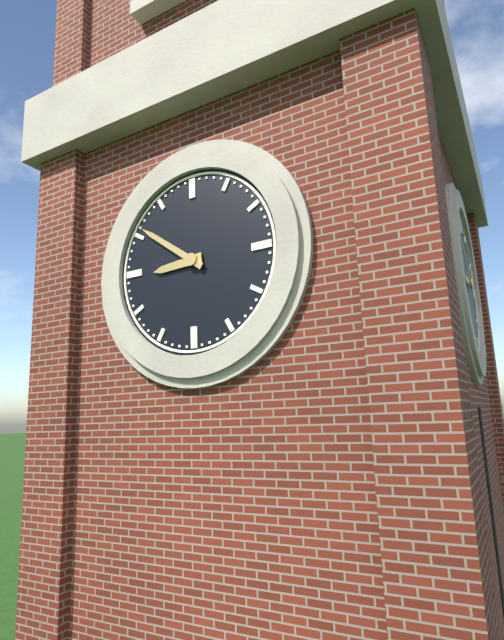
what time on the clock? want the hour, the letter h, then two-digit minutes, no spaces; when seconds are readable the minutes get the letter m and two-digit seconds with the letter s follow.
8h51
